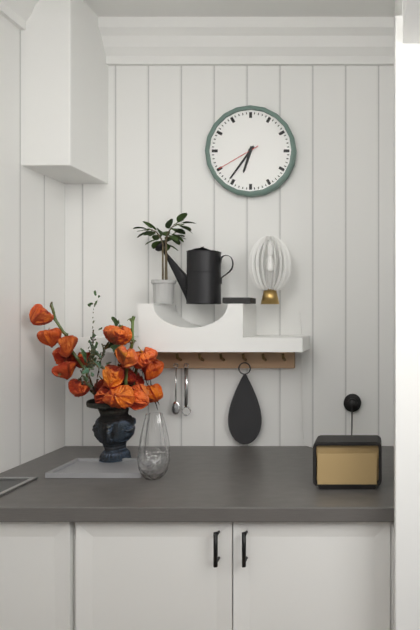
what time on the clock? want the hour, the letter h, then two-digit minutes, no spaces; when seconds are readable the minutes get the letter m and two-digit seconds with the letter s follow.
6h36
